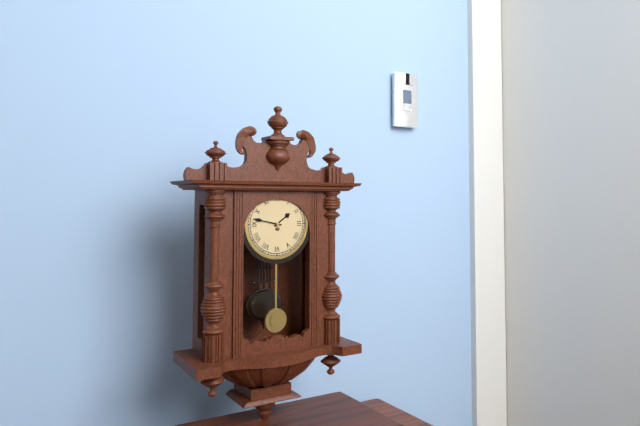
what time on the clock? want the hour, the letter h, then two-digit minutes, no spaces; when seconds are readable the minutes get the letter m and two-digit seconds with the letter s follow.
1h47
